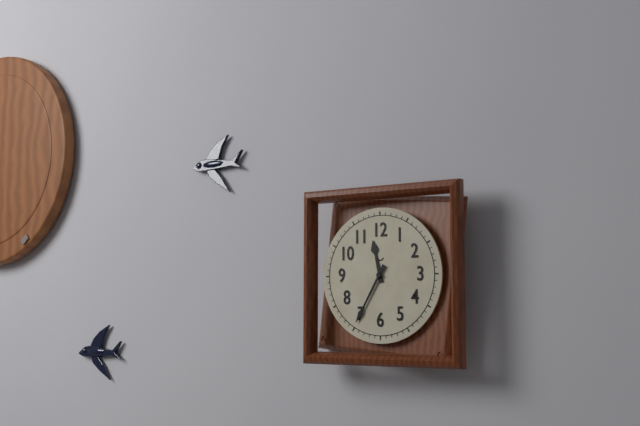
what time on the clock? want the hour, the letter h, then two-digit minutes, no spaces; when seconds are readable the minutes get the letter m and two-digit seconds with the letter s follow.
11h35
